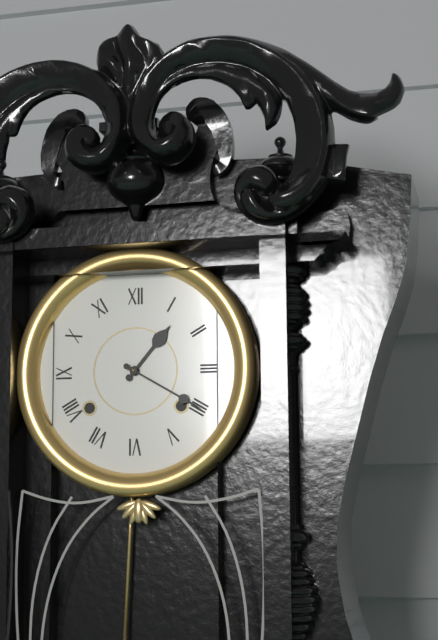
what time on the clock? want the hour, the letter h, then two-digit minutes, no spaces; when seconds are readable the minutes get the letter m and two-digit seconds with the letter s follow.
1h20
